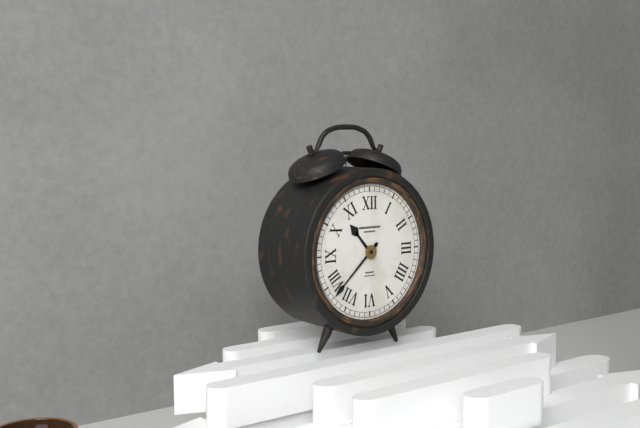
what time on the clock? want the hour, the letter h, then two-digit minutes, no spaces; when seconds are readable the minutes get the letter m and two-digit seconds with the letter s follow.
10h38
